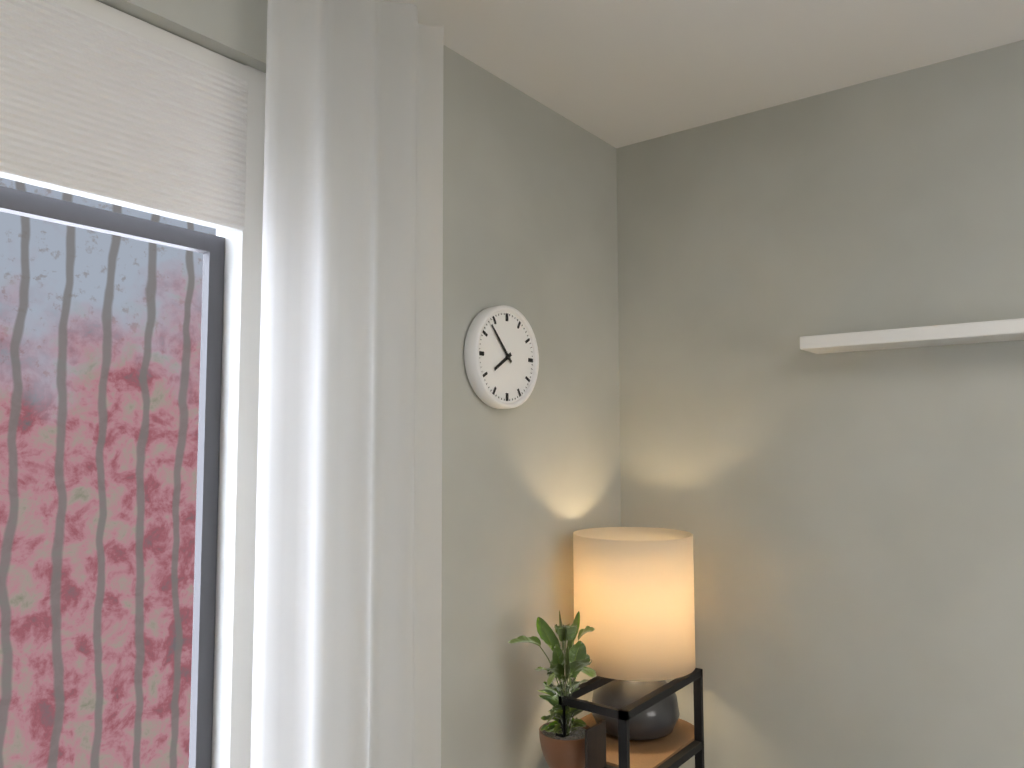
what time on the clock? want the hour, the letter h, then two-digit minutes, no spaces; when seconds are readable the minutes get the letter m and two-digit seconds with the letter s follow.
7h53
